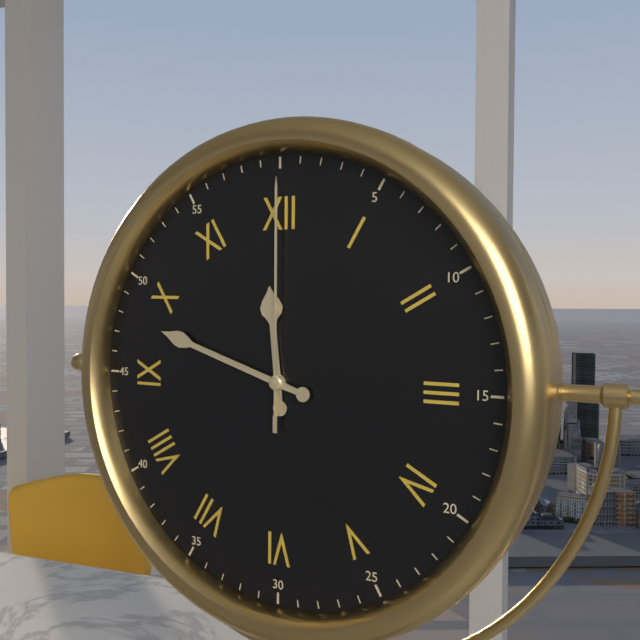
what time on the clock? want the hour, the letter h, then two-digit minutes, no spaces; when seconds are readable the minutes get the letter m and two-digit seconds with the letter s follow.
11h48m00s
